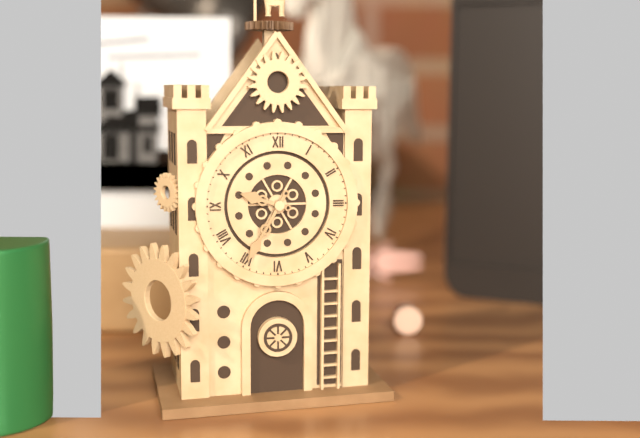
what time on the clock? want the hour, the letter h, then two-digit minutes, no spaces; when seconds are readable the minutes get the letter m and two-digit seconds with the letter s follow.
9h35
